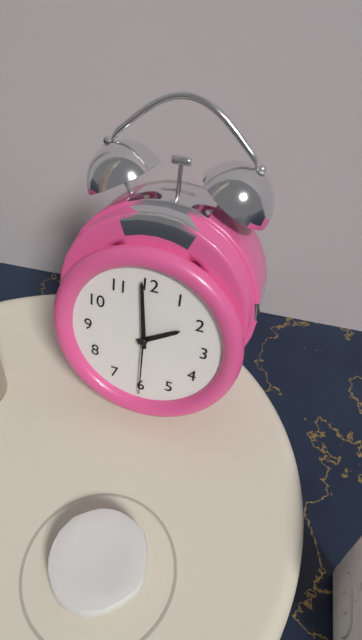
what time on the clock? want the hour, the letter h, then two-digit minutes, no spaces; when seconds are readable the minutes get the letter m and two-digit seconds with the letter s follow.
1h59m30s
